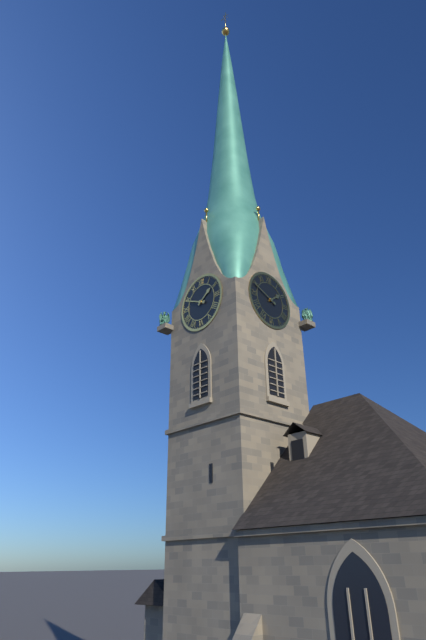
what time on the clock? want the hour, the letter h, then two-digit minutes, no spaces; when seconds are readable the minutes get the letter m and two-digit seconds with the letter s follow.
1h49
